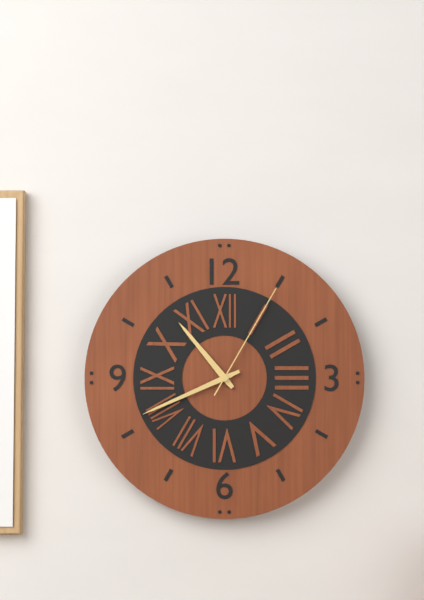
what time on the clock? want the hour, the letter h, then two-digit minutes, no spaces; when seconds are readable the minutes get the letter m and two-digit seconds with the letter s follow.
10h41m05s
